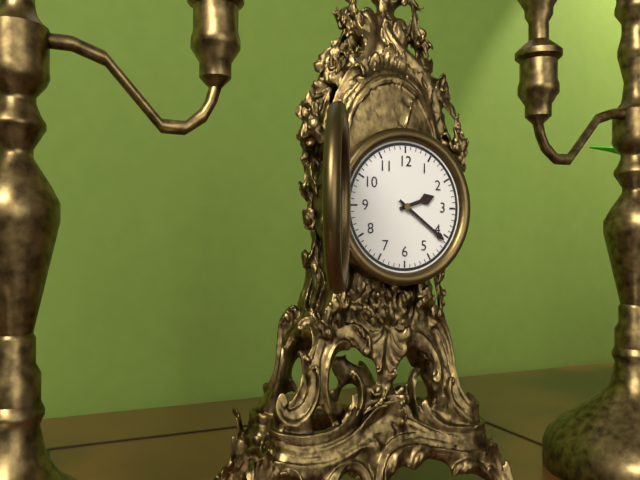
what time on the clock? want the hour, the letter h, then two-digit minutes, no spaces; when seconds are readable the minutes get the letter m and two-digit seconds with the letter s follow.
2h21
